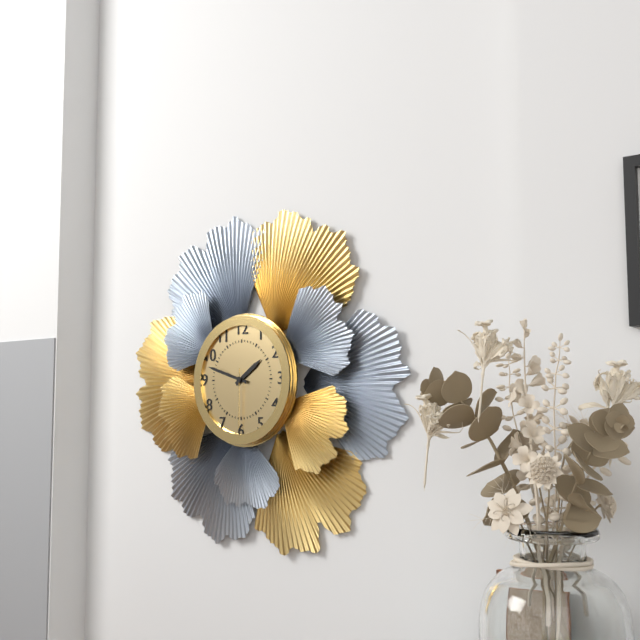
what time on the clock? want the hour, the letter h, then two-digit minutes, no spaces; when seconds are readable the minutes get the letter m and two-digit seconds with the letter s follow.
1h48m30s
